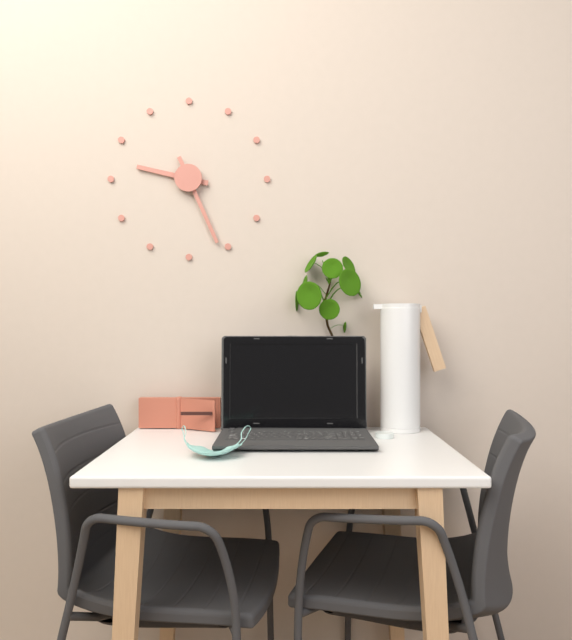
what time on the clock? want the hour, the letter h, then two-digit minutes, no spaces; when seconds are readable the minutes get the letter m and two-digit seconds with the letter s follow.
9h26
